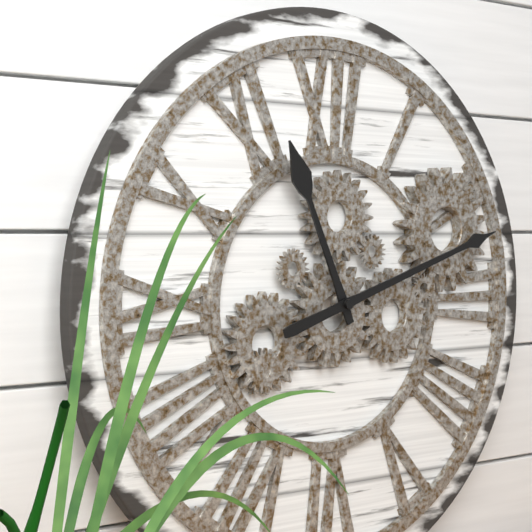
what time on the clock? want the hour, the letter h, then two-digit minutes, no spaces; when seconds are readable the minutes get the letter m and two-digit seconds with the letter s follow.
11h12
